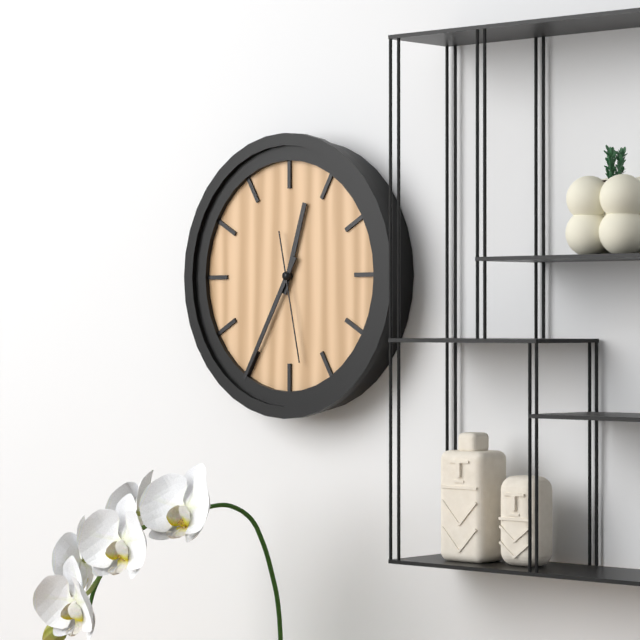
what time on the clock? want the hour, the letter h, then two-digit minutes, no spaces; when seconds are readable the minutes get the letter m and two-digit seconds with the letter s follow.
12h35m28s
